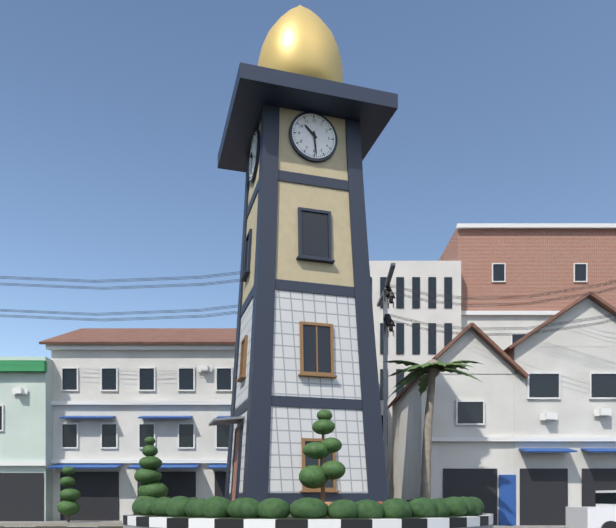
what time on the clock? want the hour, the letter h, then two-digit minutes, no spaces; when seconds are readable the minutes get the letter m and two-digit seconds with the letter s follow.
10h29
